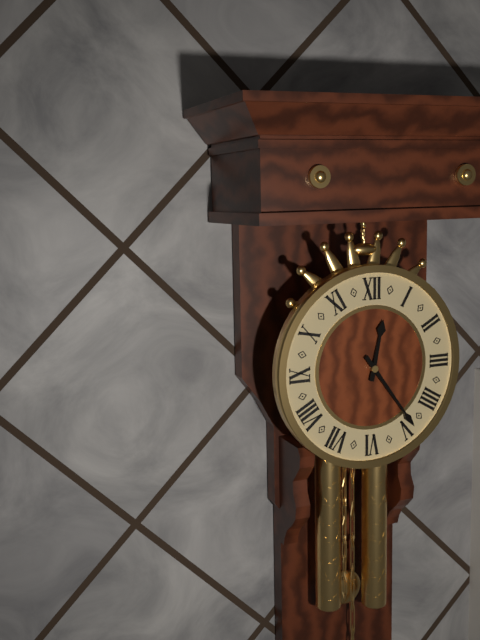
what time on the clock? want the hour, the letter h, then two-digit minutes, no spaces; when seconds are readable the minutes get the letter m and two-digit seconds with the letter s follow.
12h24
